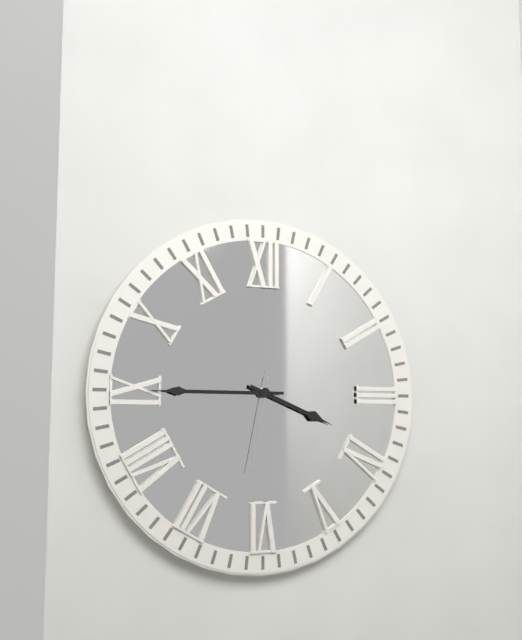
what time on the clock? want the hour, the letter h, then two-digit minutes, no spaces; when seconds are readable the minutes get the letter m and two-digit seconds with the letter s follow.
3h45m32s
